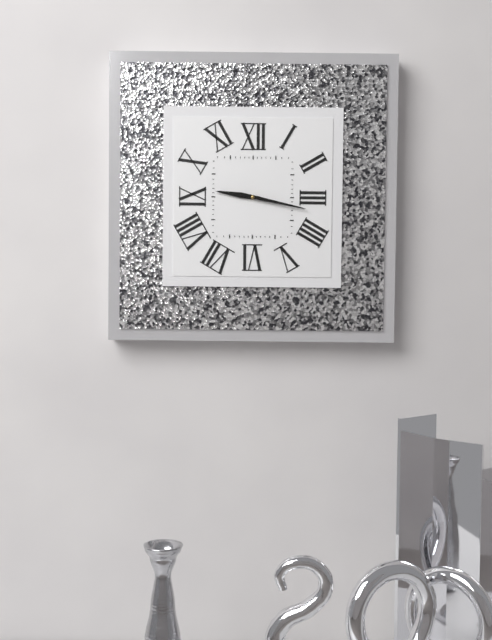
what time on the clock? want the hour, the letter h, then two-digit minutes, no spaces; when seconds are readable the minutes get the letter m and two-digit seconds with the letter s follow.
9h17
